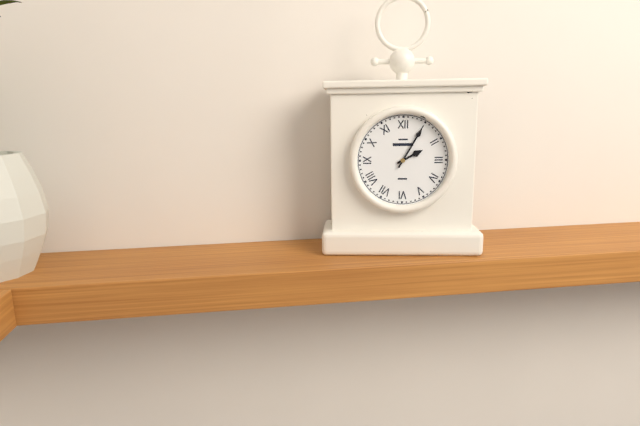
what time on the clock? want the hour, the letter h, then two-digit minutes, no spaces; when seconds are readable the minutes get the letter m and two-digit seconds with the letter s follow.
2h05
